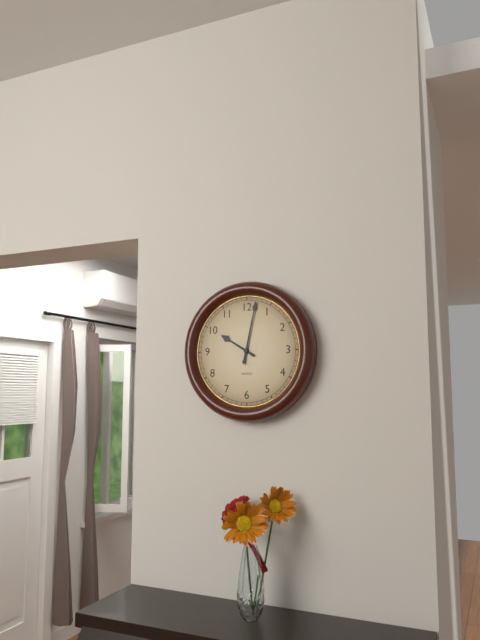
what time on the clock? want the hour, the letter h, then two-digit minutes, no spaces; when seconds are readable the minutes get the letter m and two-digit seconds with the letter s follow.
10h02
